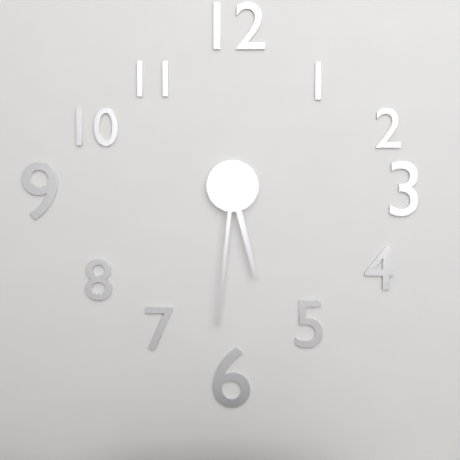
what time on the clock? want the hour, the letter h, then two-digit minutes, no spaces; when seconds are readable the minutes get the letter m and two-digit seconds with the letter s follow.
5h31
